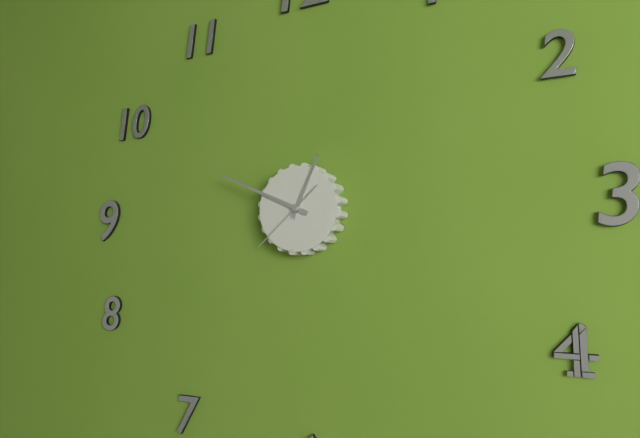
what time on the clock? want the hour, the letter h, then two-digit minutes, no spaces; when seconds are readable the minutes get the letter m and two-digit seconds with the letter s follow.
12h49m38s
